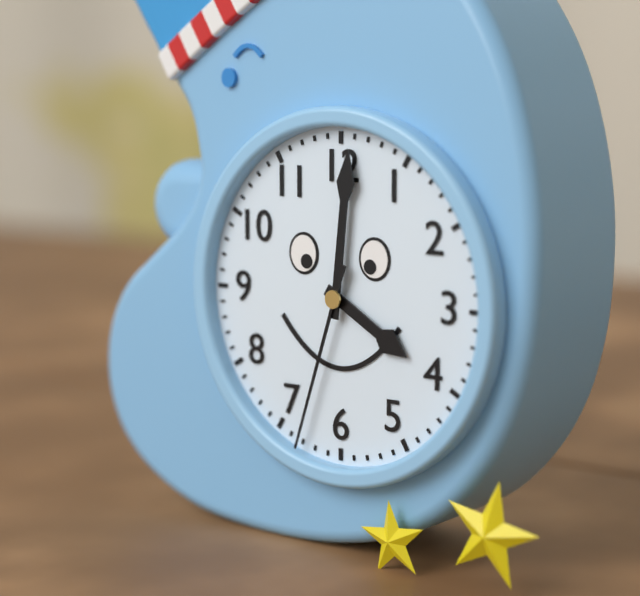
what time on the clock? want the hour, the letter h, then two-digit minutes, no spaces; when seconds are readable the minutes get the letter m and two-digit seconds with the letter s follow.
4h01m33s
